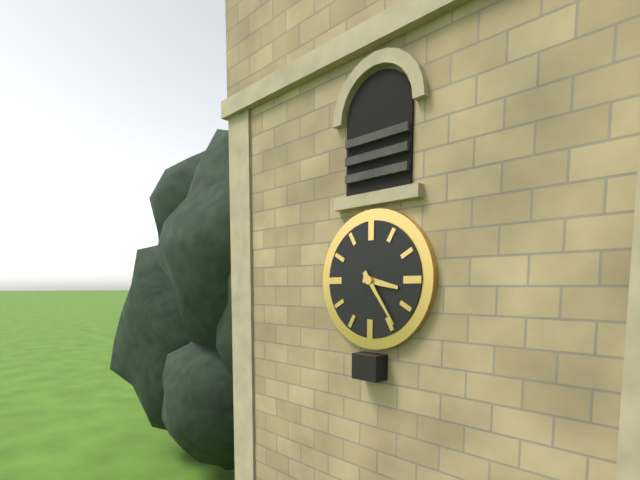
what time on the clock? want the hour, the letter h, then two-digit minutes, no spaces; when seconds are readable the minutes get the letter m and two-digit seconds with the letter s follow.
3h24
